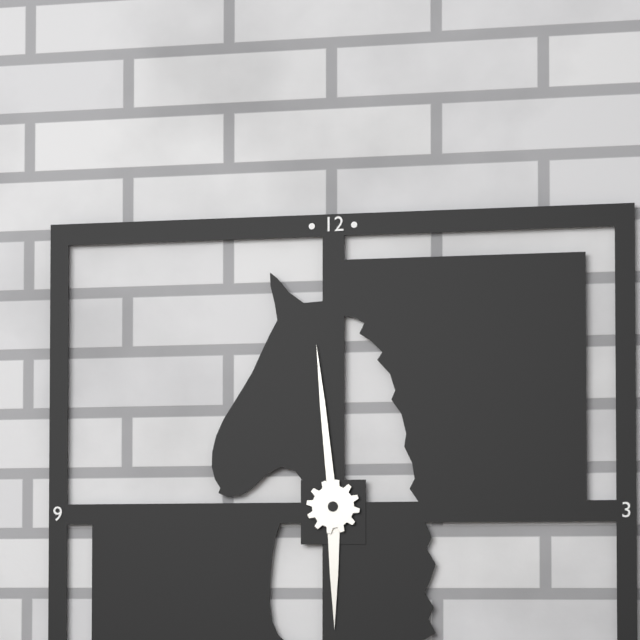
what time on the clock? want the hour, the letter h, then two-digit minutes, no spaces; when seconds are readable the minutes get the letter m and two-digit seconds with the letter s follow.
5h59
